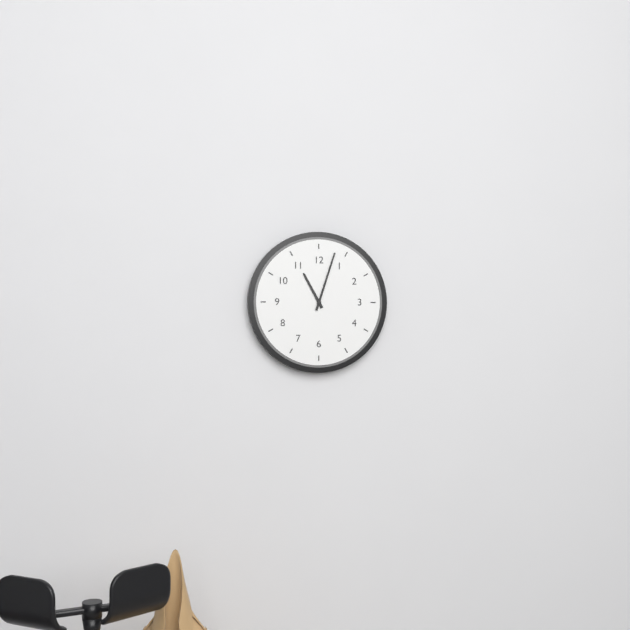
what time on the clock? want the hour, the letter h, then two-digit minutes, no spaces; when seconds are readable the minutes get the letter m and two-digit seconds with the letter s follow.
11h03
